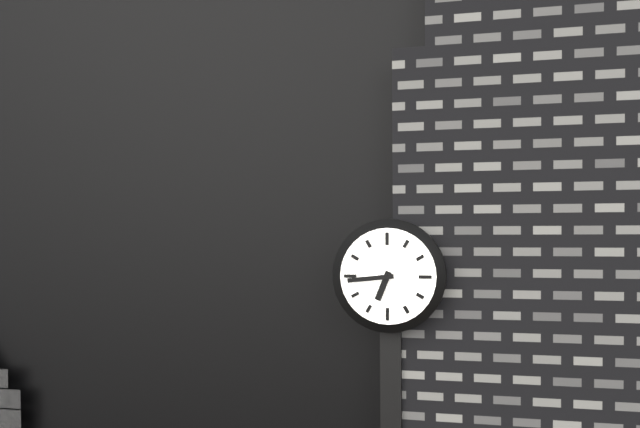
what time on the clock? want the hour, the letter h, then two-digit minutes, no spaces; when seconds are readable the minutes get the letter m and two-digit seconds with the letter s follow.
6h44
